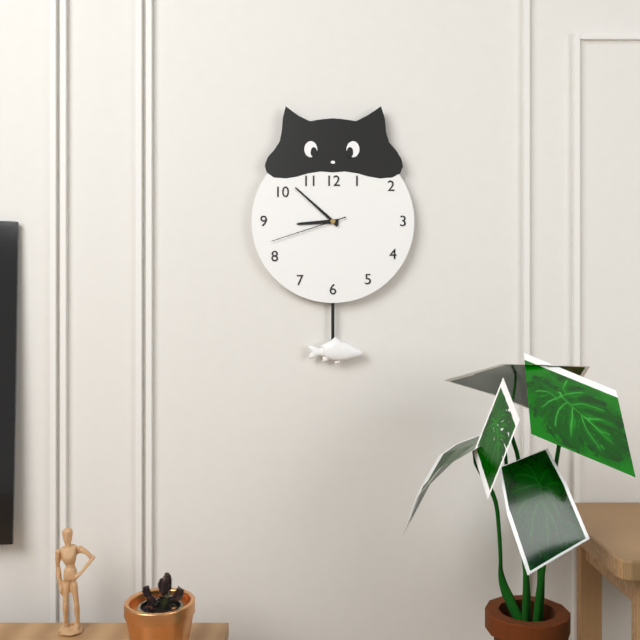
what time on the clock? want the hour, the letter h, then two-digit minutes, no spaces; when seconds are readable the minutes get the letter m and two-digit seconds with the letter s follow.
8h52m42s
